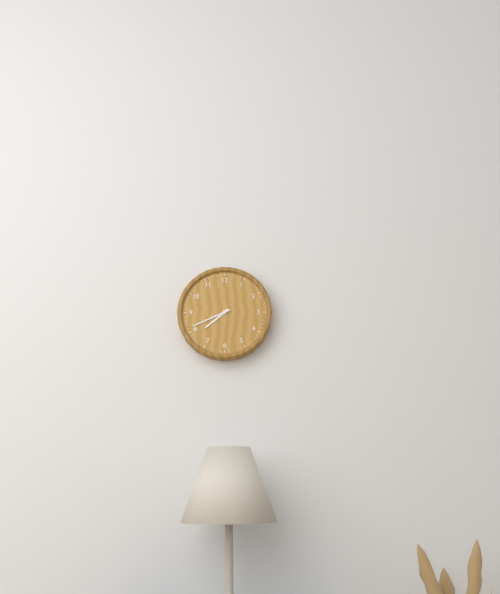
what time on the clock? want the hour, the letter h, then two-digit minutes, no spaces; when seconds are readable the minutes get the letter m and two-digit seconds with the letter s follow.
7h41
